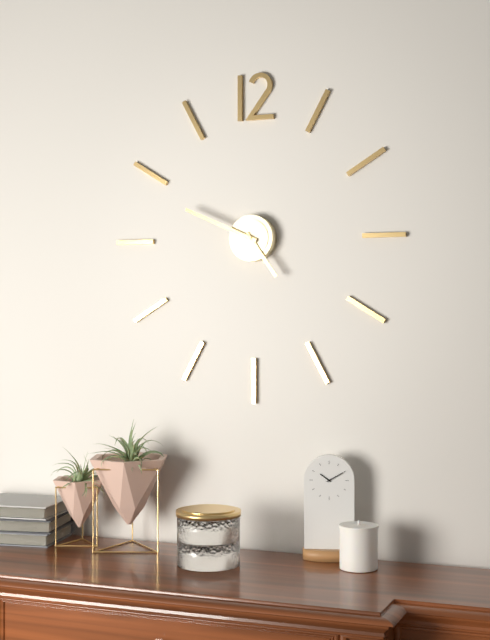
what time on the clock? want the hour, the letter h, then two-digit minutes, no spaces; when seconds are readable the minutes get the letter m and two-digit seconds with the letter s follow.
4h49
